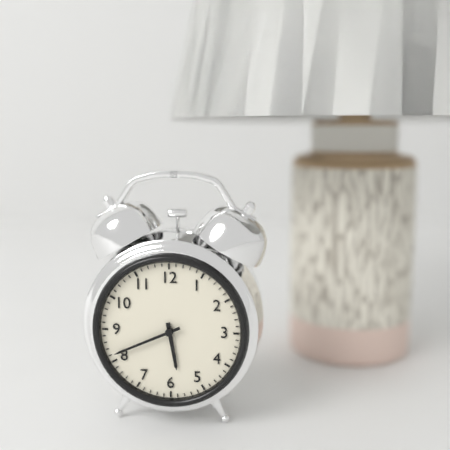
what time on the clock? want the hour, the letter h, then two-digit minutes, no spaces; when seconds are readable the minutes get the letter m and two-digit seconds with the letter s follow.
5h41
